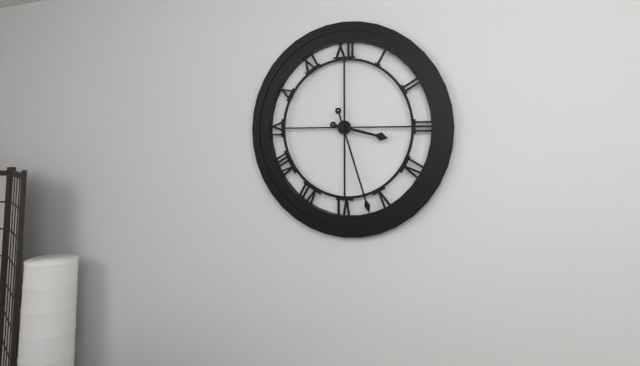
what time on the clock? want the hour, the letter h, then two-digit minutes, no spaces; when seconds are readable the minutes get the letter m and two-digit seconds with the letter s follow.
3h27
